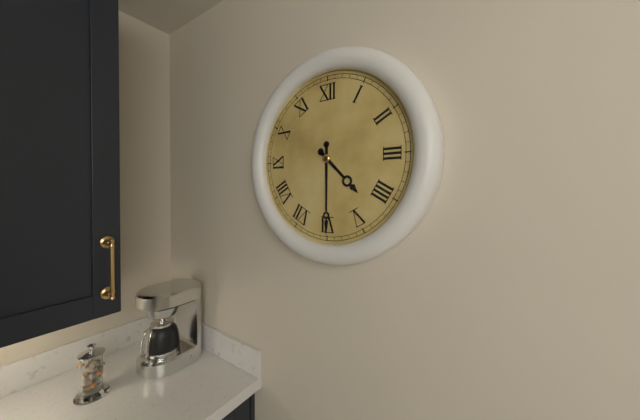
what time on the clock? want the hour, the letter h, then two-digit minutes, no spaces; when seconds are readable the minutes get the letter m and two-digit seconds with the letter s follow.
4h30
